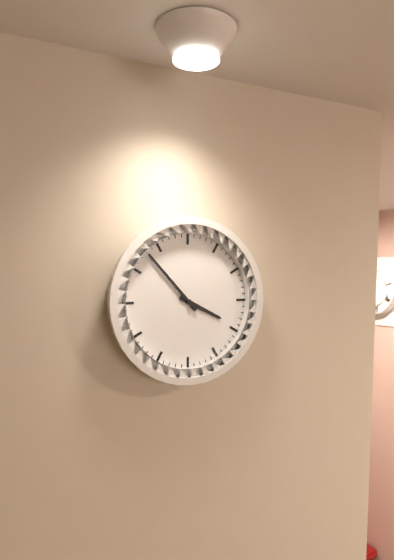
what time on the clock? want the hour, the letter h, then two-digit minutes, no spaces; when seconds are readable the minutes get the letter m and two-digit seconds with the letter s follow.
3h53
